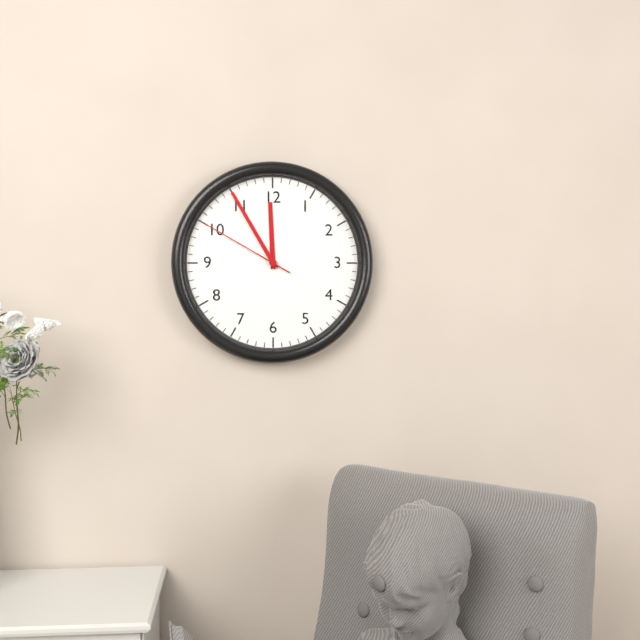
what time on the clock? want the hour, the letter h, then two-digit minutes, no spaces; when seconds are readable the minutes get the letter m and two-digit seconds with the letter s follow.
11h55m50s
